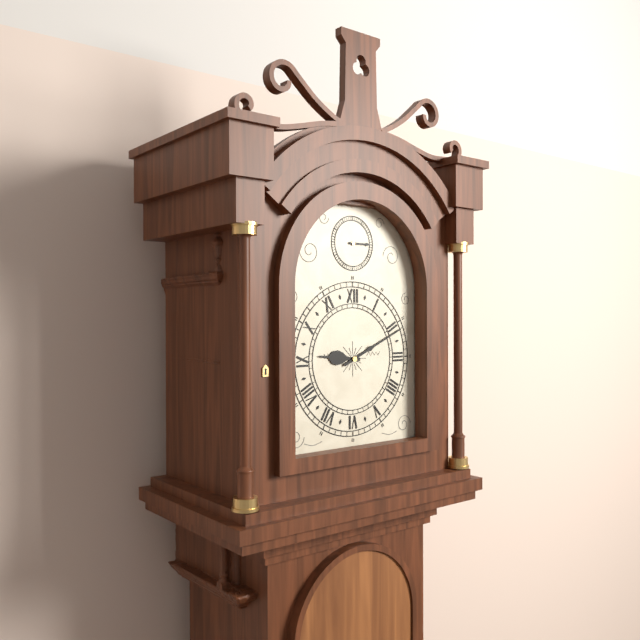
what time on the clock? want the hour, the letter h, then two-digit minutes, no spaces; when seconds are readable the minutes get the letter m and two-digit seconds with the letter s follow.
9h11
